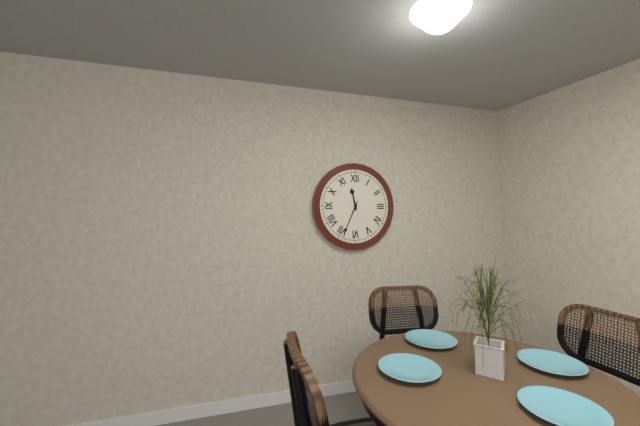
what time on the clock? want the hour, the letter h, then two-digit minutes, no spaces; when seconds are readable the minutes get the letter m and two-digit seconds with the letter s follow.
11h34
